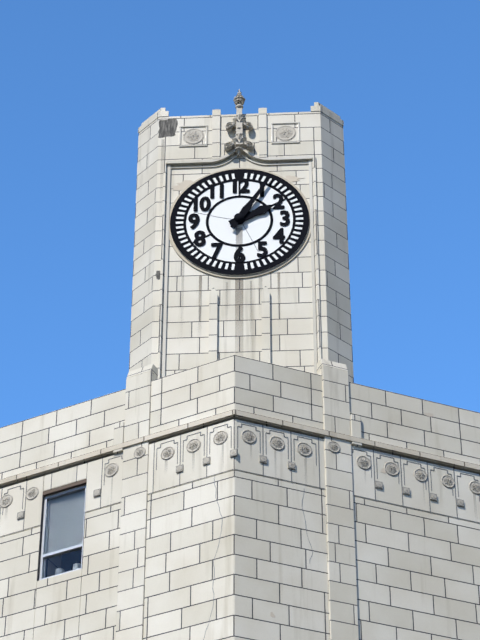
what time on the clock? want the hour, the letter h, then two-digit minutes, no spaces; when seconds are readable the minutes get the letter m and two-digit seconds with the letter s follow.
2h05
